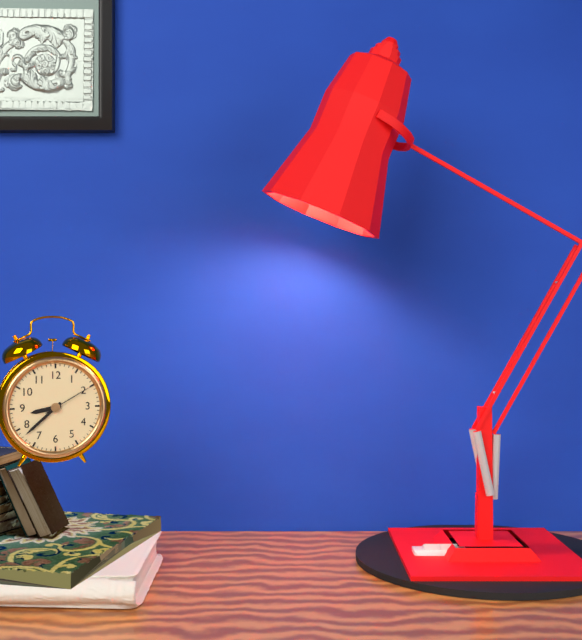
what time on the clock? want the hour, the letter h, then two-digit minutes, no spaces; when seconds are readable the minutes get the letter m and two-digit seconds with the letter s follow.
8h38m10s
